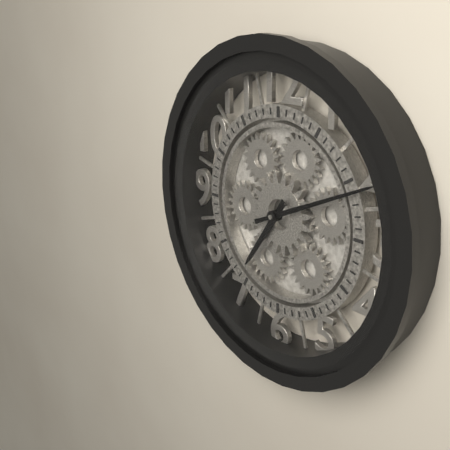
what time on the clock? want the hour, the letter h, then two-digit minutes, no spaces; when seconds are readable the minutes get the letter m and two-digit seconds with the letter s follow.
7h11
